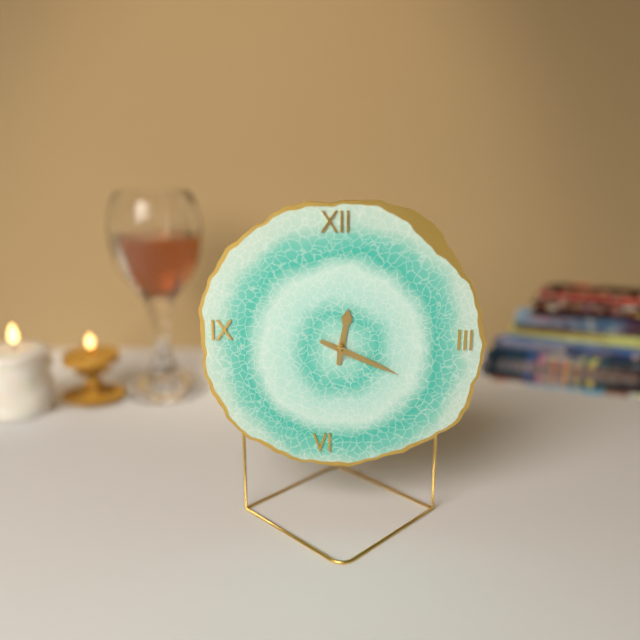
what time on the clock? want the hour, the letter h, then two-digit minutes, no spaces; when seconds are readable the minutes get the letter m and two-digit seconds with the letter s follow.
12h19
